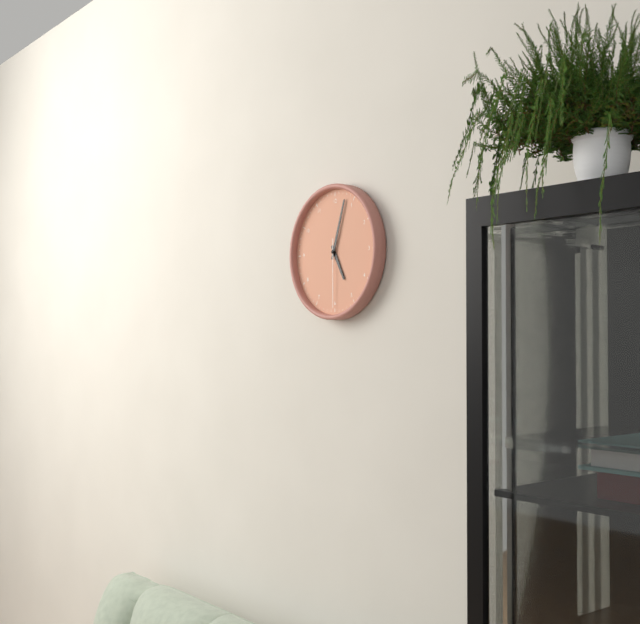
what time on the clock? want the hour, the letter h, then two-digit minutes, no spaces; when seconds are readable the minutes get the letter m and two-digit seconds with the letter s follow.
5h03m30s
